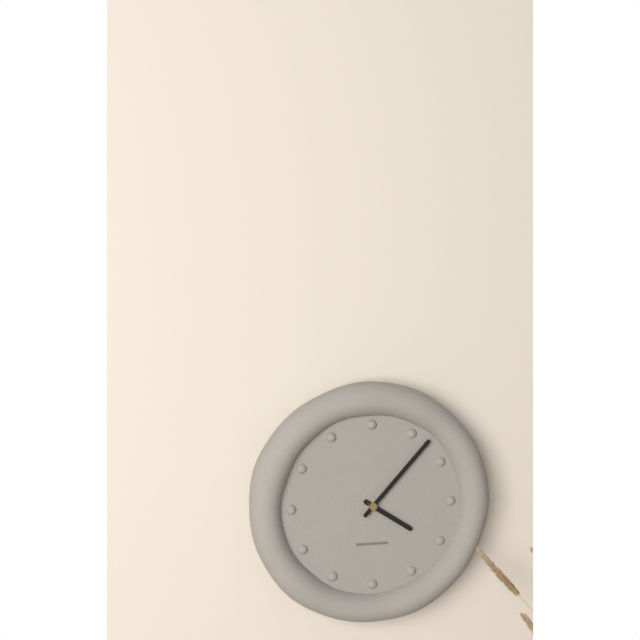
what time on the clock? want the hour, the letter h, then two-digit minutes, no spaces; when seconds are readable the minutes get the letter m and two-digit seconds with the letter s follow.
4h07
